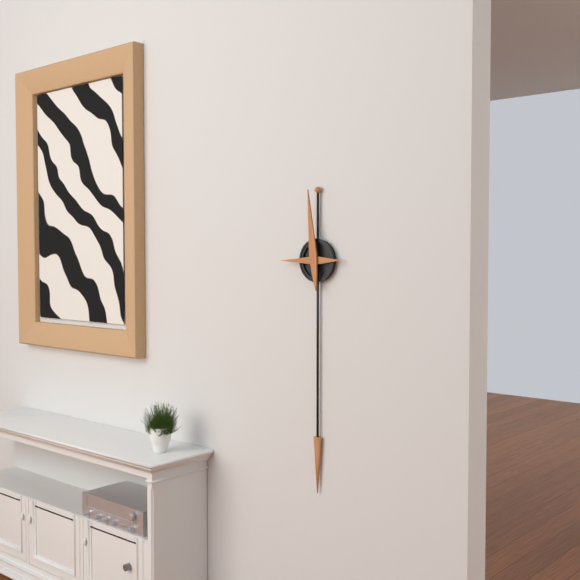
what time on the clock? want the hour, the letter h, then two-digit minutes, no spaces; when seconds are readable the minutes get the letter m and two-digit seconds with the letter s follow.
8h59
